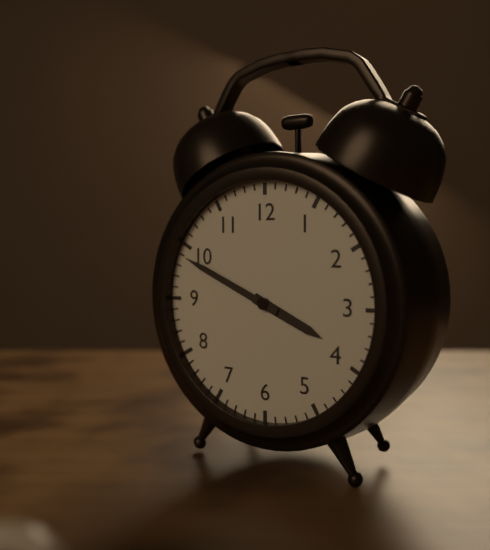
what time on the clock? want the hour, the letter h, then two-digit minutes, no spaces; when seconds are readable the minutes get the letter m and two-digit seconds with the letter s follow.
3h49
